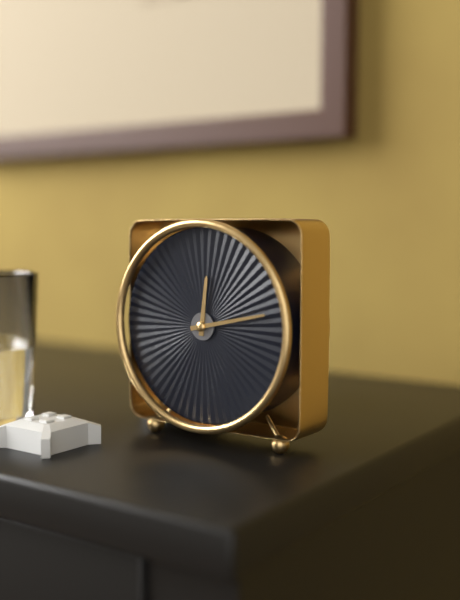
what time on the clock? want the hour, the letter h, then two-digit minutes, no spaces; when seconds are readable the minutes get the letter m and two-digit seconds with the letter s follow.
12h13
